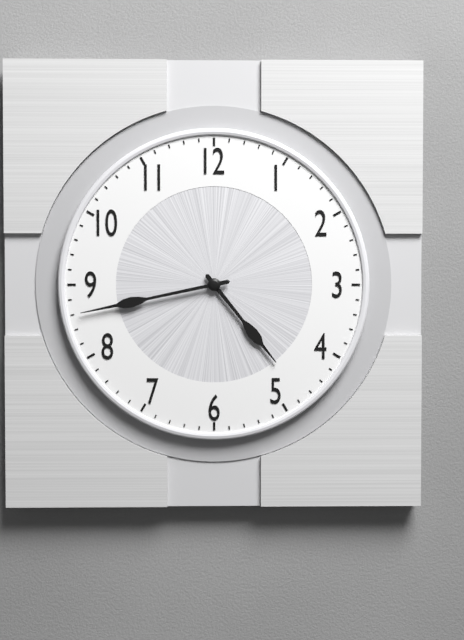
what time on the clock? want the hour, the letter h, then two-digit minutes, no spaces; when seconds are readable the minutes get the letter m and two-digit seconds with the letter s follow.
4h43
